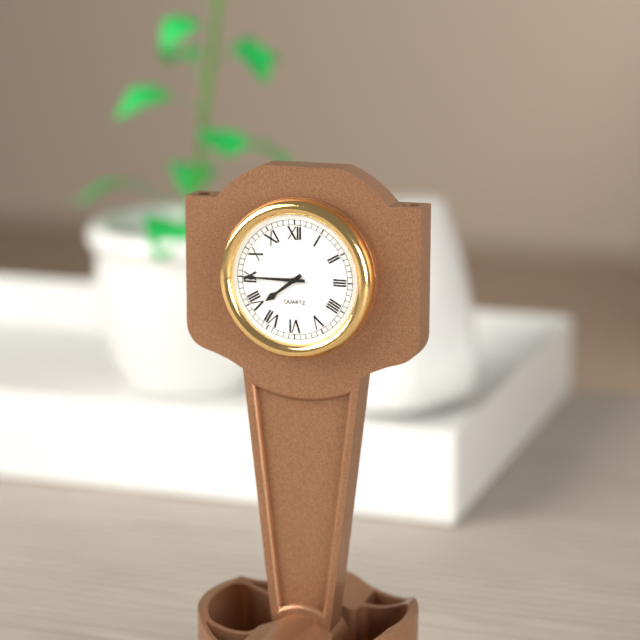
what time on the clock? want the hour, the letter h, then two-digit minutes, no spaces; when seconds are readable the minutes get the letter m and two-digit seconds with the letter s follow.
7h45
